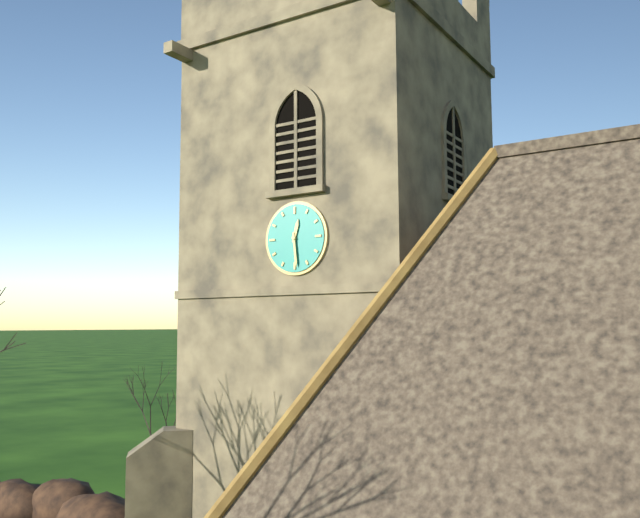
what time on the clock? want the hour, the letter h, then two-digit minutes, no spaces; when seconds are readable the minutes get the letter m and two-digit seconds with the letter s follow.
12h29
